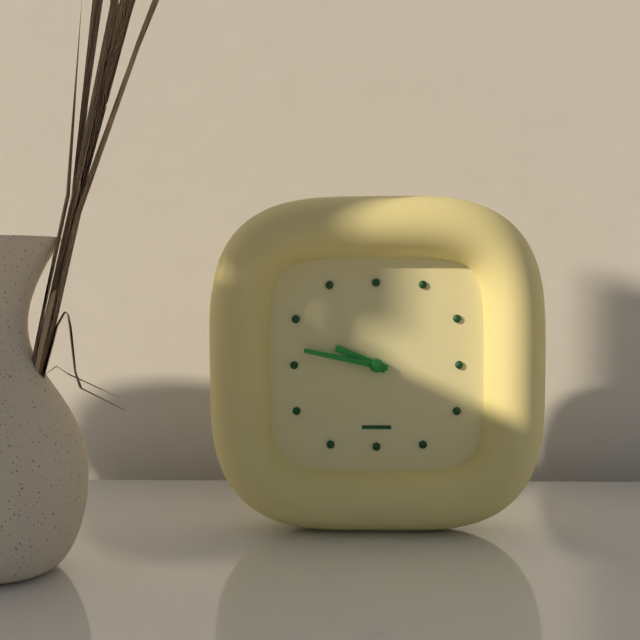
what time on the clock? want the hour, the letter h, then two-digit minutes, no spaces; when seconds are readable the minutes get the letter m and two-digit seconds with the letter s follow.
9h47
